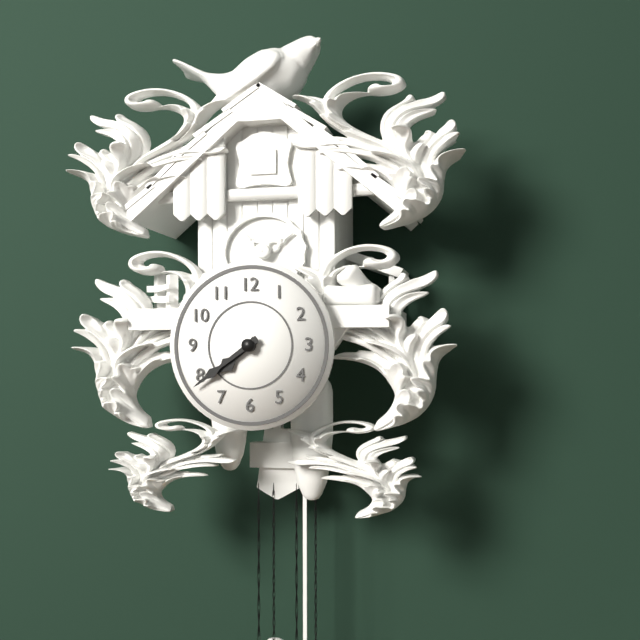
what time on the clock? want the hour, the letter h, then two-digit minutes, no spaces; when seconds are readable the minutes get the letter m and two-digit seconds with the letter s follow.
7h39
